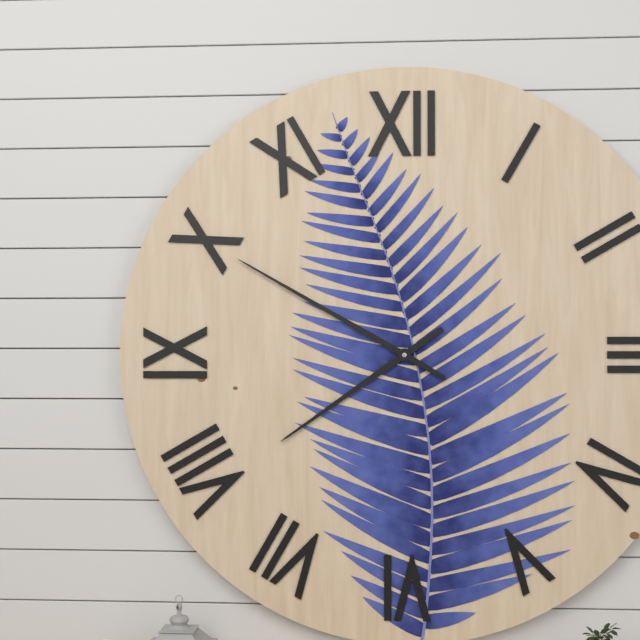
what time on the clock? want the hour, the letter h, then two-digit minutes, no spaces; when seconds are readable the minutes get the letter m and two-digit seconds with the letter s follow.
7h50
